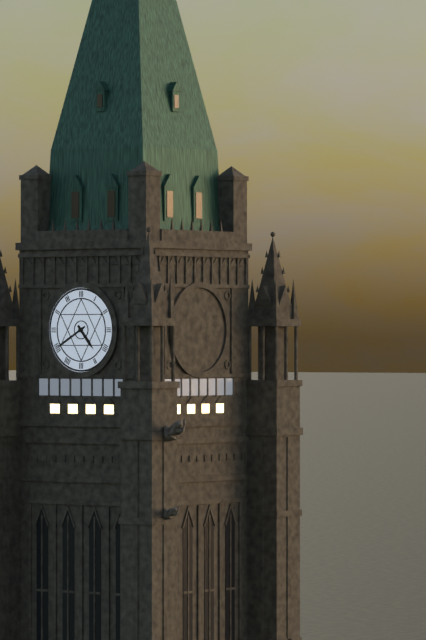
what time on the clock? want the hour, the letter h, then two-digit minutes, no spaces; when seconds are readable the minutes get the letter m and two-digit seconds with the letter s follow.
4h40
